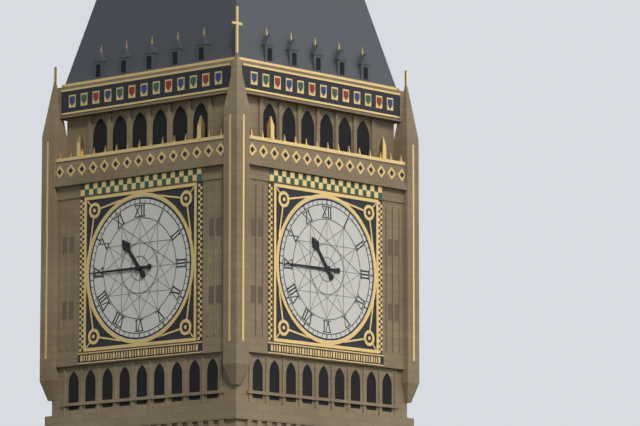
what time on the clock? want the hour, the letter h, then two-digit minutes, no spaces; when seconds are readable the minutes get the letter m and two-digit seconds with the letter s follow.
10h45
